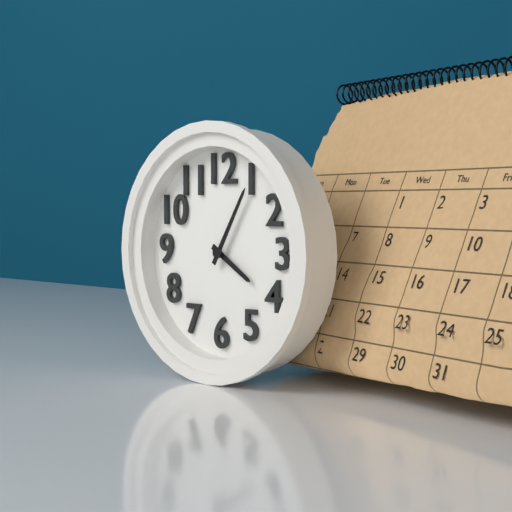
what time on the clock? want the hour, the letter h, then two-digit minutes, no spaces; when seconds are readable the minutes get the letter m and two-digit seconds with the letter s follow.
4h05
